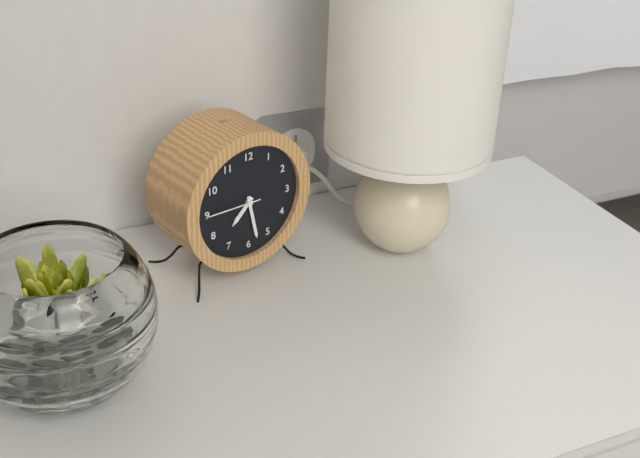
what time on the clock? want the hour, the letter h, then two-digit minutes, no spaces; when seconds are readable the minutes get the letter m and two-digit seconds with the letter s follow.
7h28m45s
